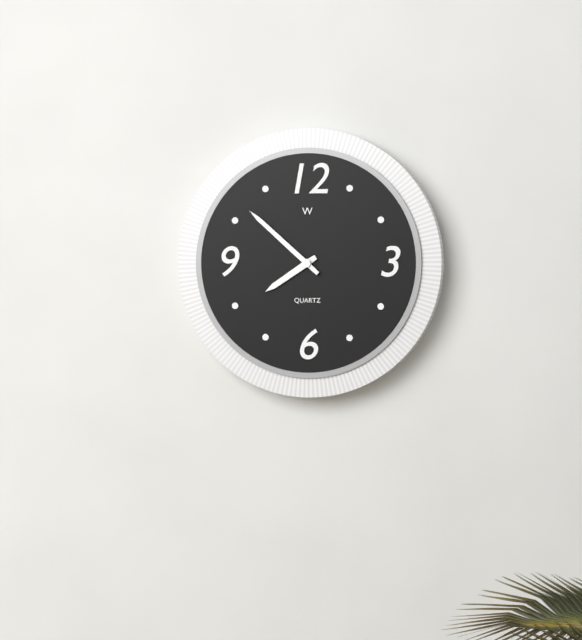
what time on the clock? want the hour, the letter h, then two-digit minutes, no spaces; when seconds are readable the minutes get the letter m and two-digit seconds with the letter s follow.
7h52
